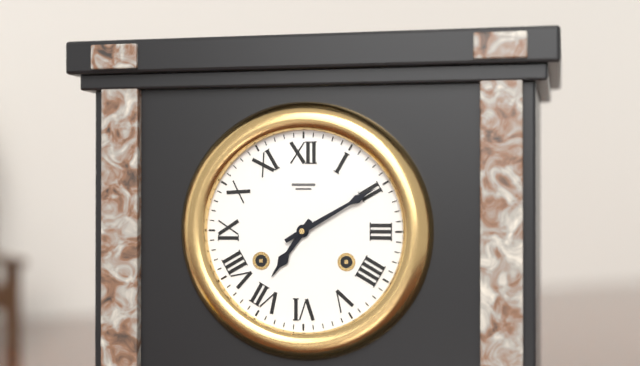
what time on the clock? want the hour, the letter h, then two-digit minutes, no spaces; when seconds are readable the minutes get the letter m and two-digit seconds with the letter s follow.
7h10
